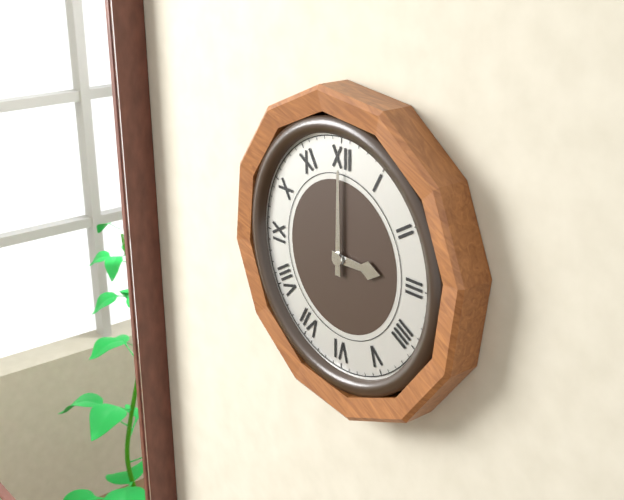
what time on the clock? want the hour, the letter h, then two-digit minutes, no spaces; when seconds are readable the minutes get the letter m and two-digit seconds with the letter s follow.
3h00
